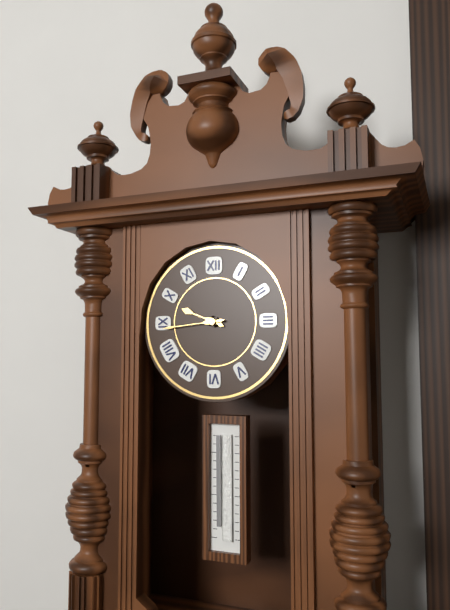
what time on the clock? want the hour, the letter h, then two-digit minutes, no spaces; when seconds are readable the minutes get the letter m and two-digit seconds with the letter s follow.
9h44
